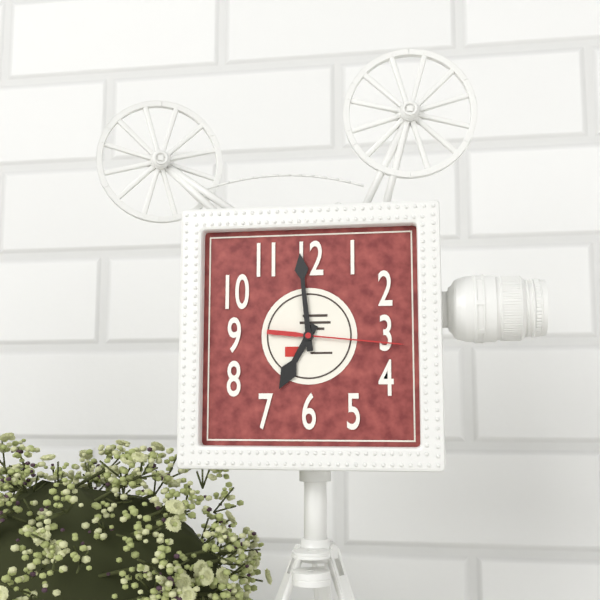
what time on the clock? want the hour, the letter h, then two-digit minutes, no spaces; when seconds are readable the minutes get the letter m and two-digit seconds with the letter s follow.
6h59m16s
